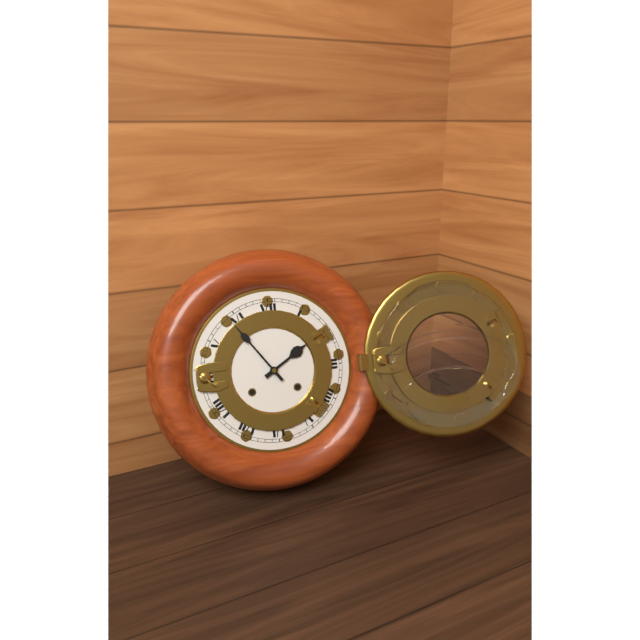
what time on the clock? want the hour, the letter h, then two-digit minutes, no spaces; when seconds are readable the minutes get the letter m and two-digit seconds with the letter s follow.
1h54
